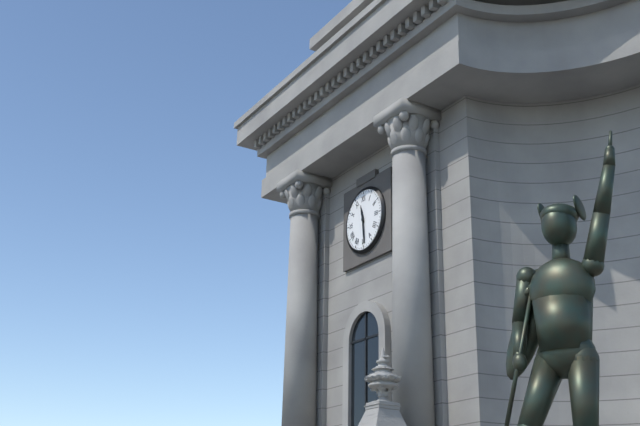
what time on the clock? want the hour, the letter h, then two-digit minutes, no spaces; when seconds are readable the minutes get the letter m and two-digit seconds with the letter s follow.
11h29
